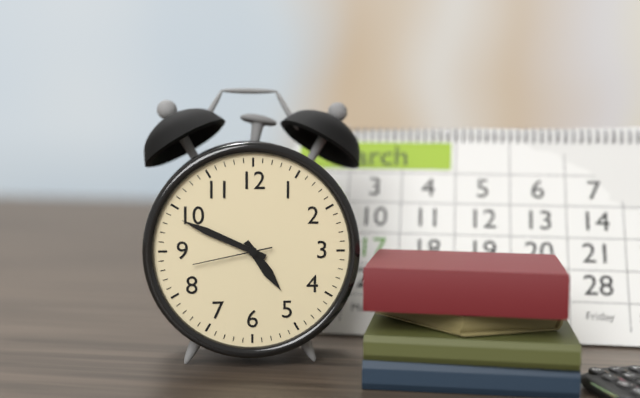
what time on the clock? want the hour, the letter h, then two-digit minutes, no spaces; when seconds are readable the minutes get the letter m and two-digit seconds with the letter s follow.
4h49m43s
